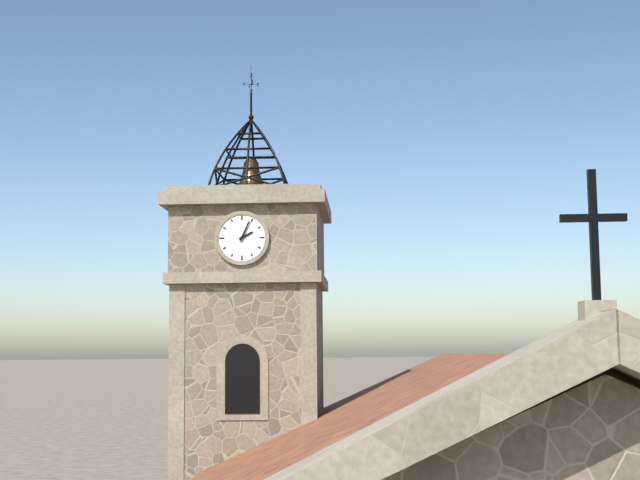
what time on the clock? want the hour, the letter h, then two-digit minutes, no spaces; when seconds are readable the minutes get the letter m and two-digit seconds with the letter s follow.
2h04
